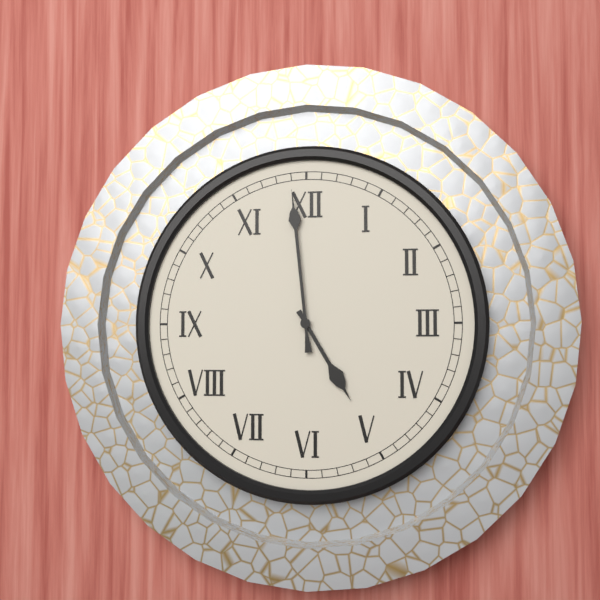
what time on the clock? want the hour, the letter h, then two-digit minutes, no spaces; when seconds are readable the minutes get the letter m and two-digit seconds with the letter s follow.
4h59
